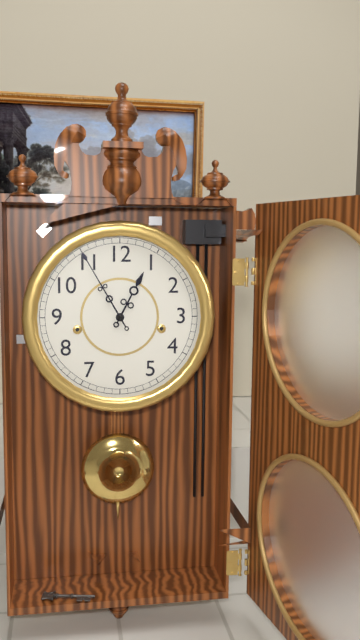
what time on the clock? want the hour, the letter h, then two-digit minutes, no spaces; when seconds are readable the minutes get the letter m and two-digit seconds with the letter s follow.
12h55
